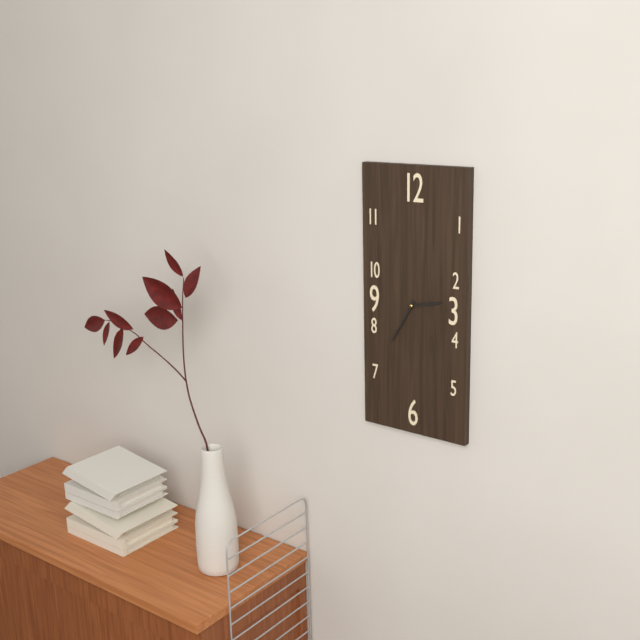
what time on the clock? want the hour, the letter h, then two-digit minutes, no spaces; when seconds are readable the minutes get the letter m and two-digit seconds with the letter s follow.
2h35
